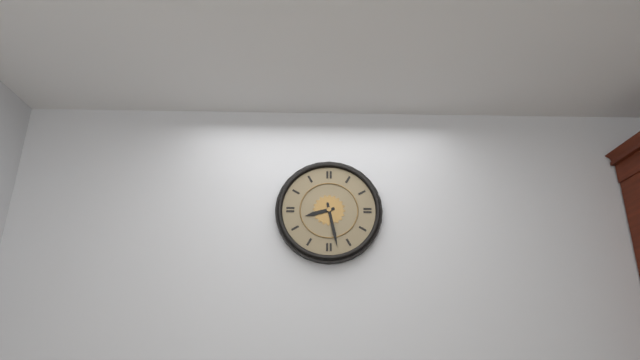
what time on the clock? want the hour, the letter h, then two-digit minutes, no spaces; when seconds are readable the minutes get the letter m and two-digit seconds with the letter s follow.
8h28
